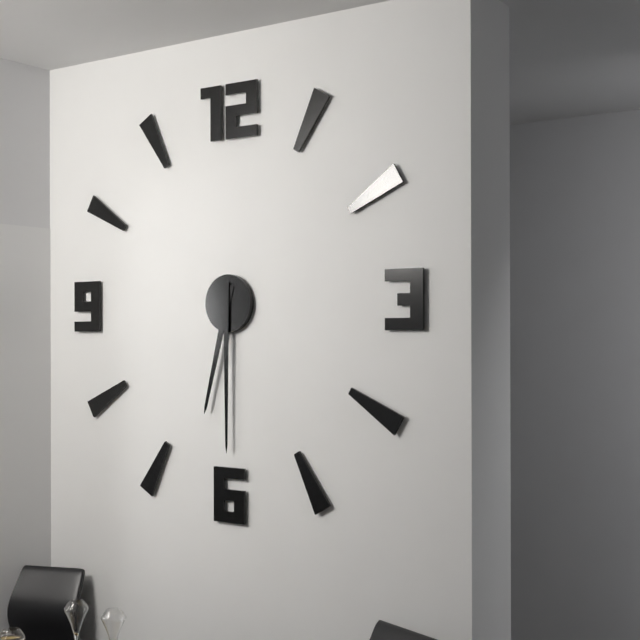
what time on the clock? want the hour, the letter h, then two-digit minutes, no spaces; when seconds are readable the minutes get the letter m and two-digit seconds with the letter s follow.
6h30
